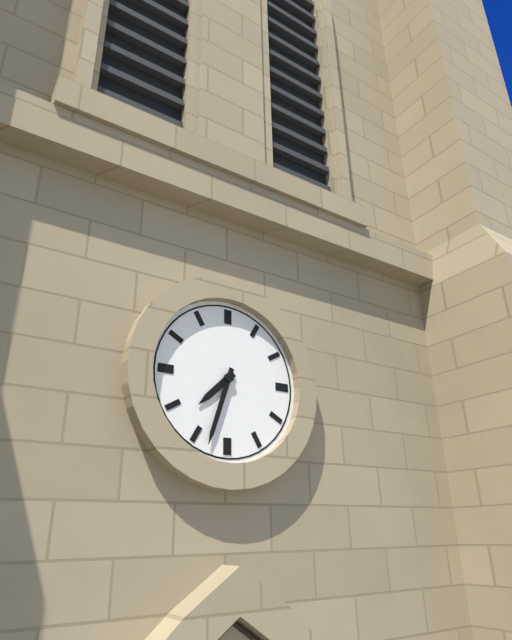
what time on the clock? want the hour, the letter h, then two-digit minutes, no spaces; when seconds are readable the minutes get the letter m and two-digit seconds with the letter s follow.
7h33
